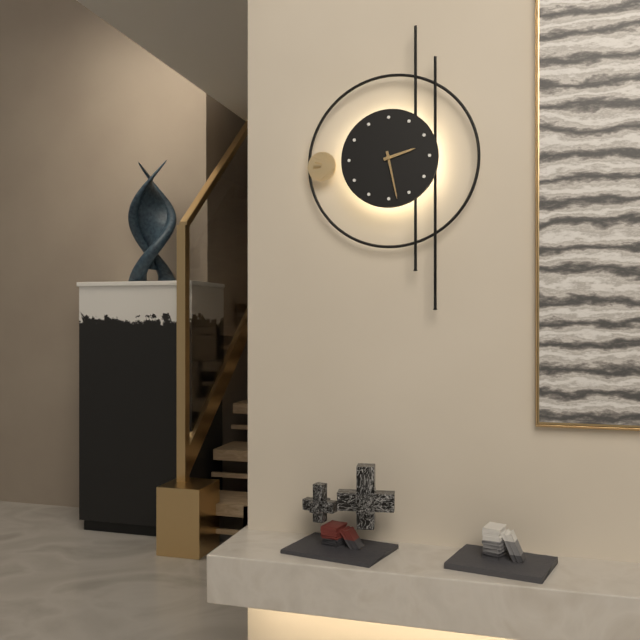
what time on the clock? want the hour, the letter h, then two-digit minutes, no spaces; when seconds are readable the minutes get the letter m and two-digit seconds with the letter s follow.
2h28
